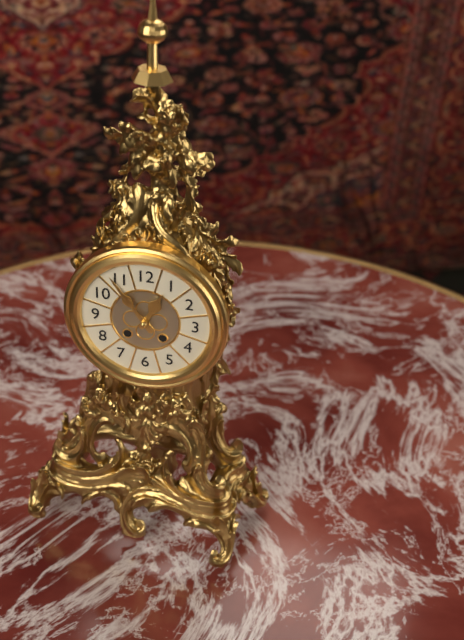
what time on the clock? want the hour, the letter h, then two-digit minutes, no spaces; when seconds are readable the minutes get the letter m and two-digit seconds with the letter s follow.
12h54
